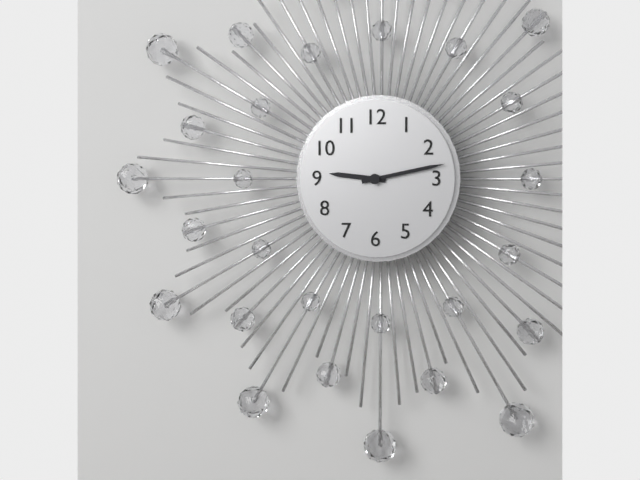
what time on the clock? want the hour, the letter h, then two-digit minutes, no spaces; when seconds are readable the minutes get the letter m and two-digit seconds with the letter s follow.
9h13
